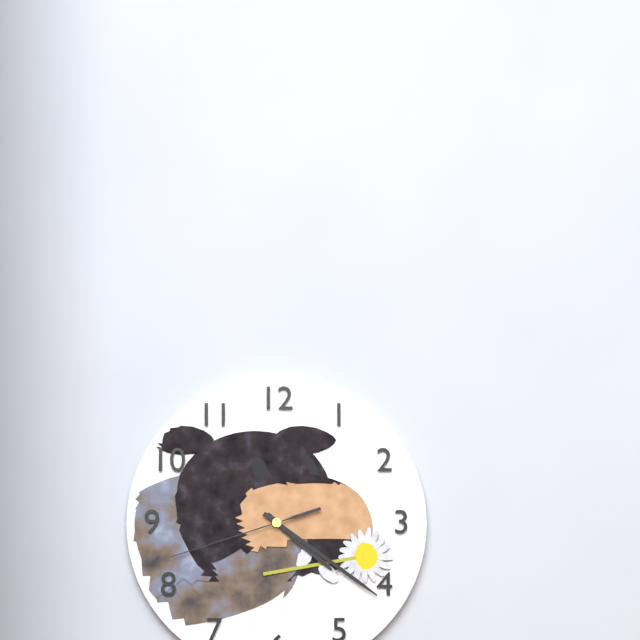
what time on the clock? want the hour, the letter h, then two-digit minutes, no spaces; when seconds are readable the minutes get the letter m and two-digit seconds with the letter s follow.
4h21m42s
